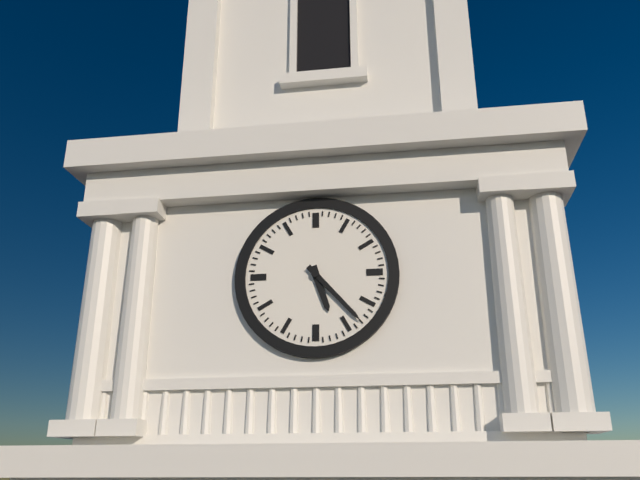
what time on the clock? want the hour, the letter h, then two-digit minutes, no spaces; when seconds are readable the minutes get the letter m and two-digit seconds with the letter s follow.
5h23
